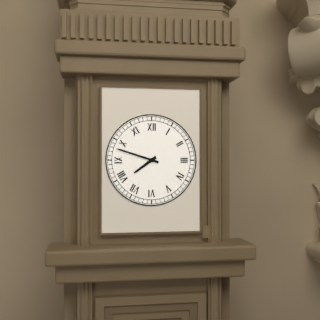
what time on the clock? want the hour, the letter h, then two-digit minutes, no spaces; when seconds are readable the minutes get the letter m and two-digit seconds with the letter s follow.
7h48
